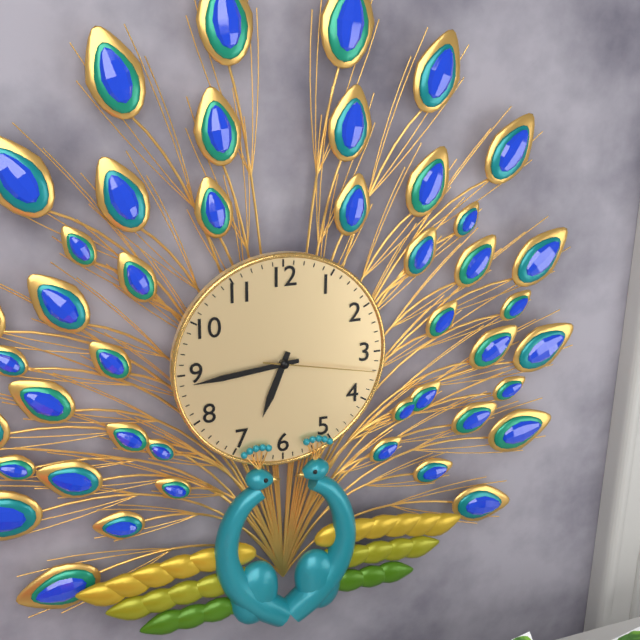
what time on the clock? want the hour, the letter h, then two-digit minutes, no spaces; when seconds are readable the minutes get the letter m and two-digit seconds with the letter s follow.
6h44m17s
